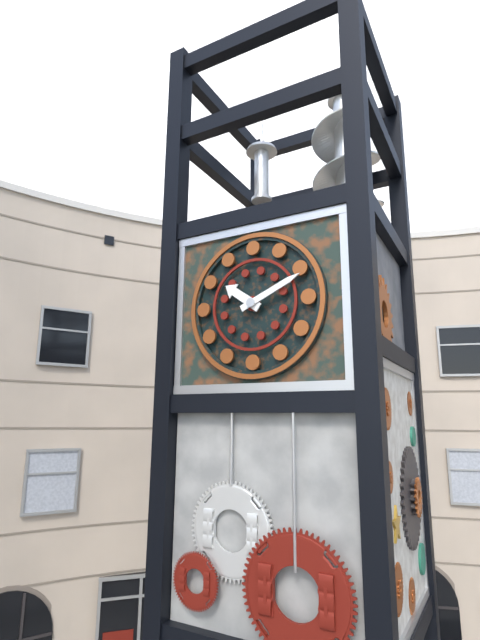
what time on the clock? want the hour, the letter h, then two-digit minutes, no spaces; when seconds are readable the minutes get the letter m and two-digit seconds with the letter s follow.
10h11
